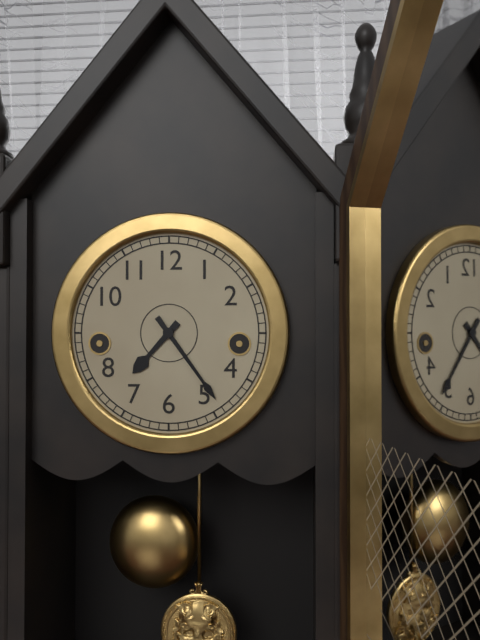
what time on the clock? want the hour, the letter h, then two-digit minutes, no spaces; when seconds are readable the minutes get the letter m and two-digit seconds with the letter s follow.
7h24
